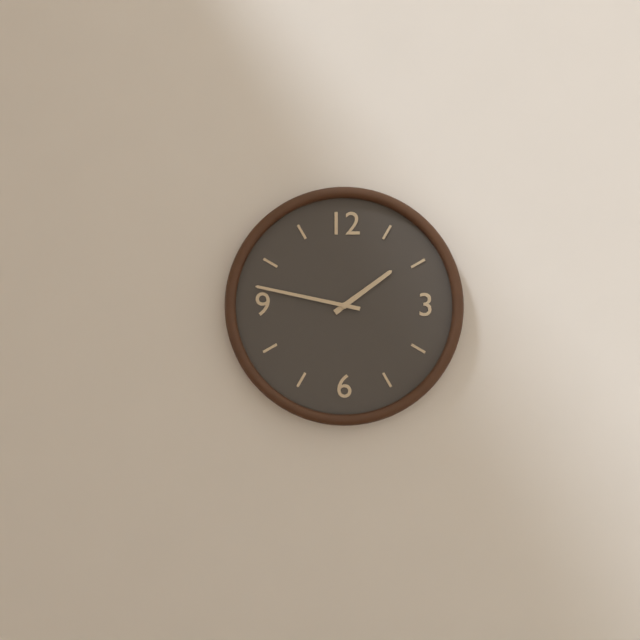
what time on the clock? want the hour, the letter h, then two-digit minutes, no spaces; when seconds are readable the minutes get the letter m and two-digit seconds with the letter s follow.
1h47
